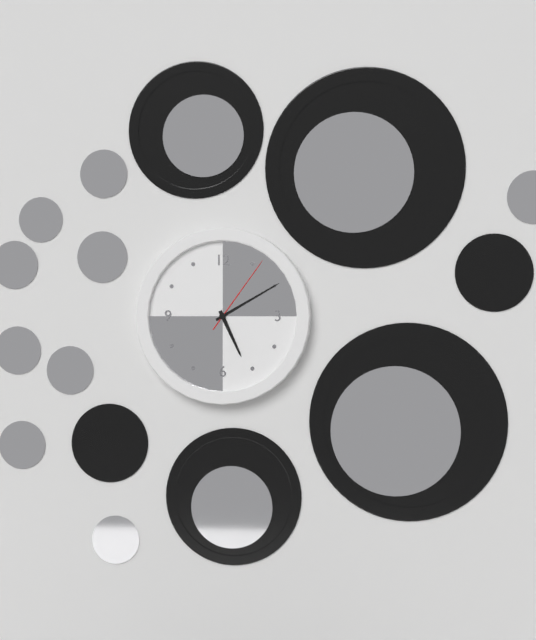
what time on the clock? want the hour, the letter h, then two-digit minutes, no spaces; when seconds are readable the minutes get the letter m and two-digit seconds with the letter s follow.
5h10m06s
